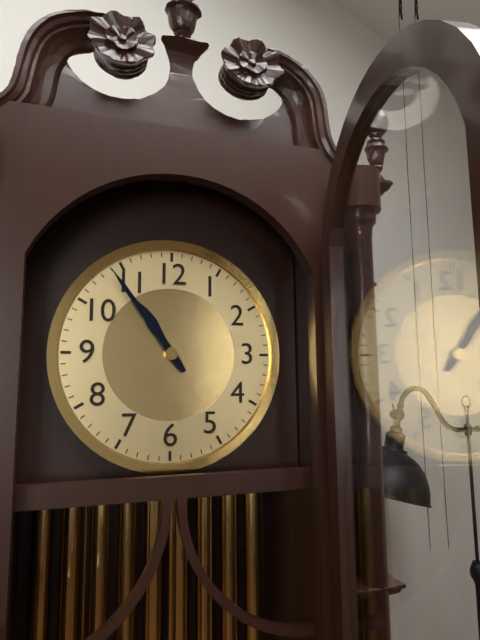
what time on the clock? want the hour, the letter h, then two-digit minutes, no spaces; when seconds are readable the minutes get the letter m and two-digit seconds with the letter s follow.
10h54
